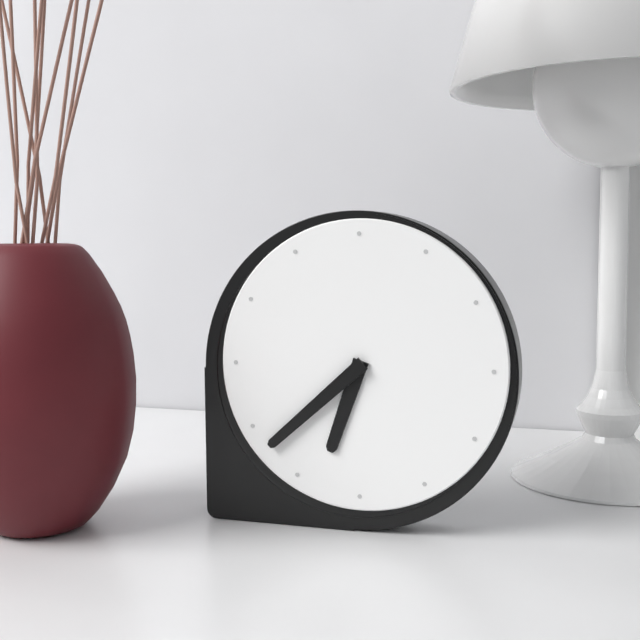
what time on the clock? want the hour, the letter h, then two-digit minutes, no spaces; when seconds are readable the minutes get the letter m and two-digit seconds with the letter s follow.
6h38
